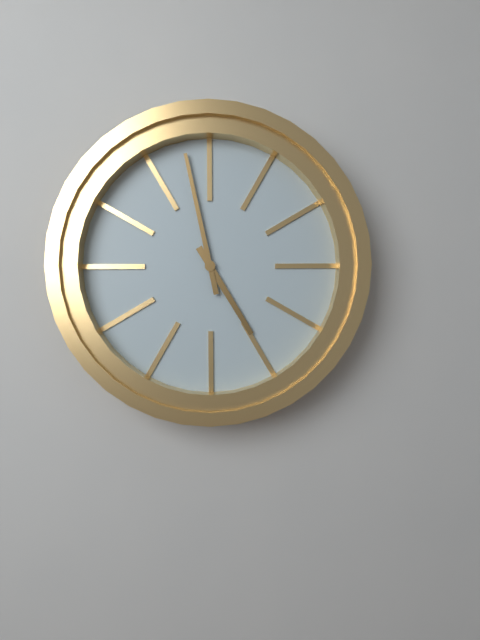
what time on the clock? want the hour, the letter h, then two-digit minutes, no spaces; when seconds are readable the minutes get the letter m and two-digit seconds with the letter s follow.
4h58
